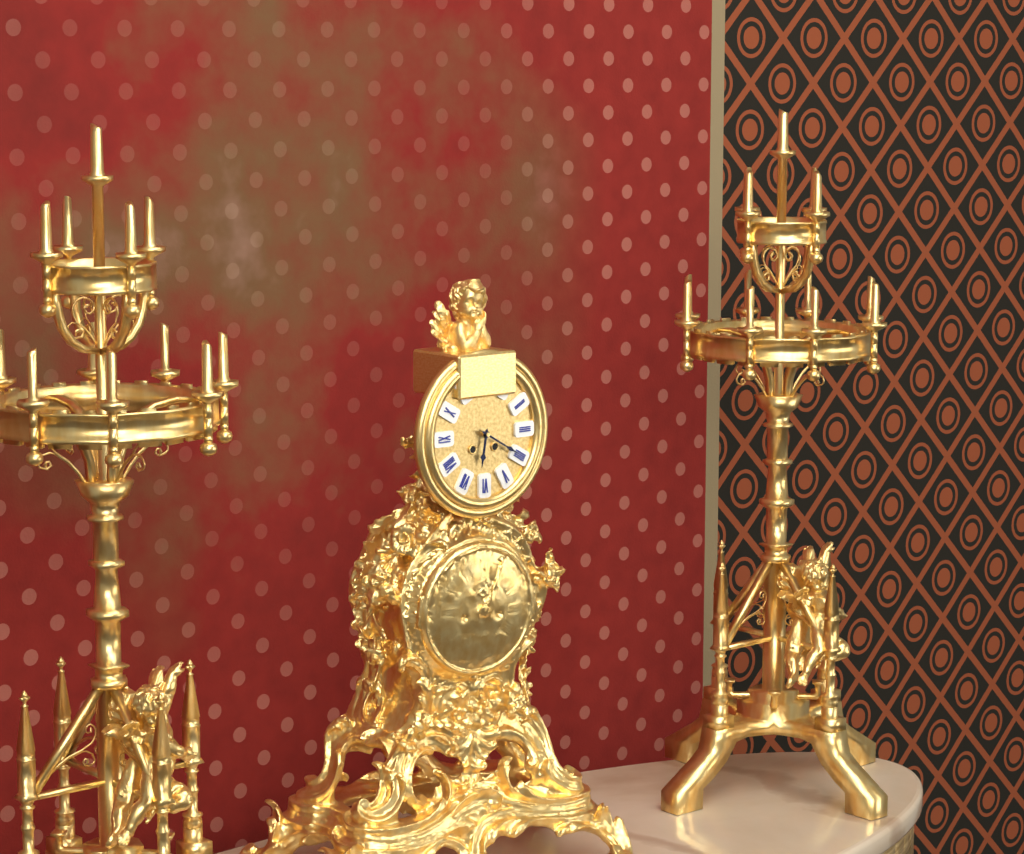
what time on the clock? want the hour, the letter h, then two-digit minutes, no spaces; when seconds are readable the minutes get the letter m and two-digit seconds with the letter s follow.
6h20
